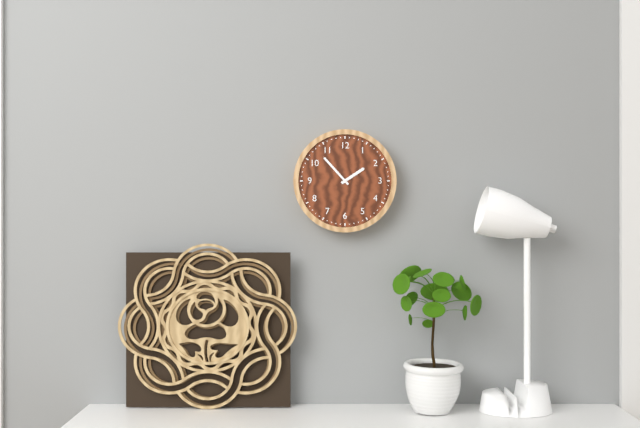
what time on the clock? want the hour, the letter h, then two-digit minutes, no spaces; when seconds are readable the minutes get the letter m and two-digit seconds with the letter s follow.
1h53
